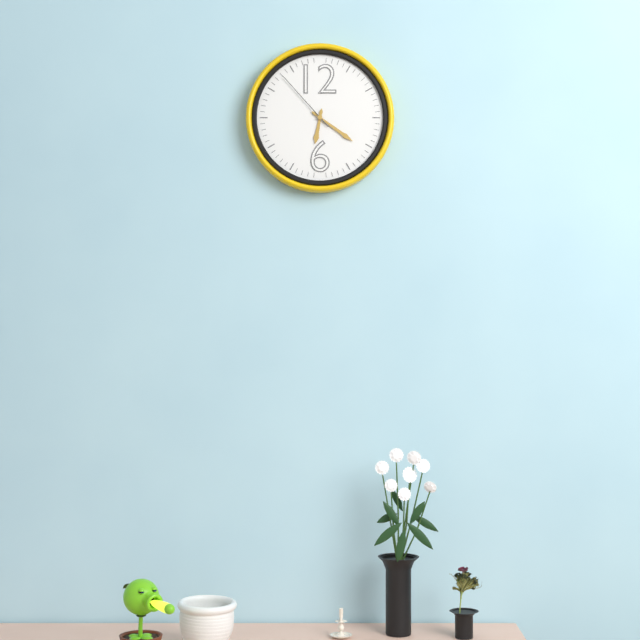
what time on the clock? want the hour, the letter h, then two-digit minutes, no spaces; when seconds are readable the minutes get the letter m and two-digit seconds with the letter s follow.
6h21m53s
